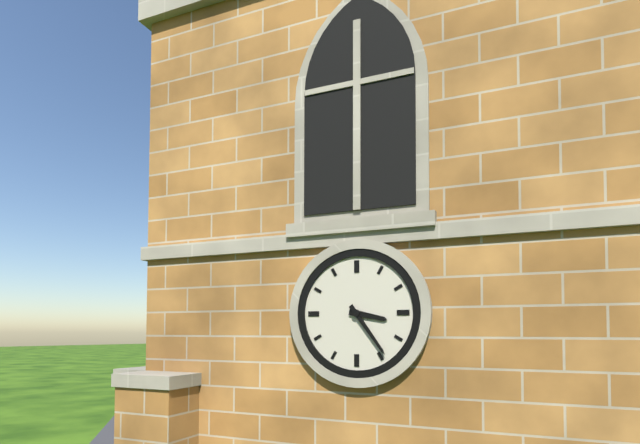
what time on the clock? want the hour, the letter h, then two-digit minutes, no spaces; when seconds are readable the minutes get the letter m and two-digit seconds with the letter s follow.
3h24
